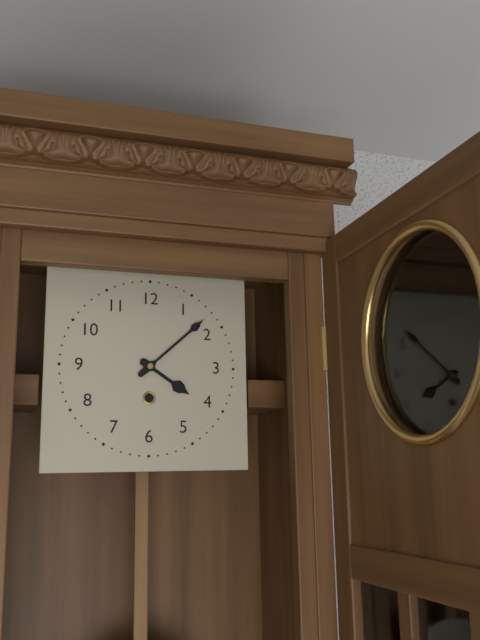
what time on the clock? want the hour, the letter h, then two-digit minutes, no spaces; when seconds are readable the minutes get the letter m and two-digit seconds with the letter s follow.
4h08
